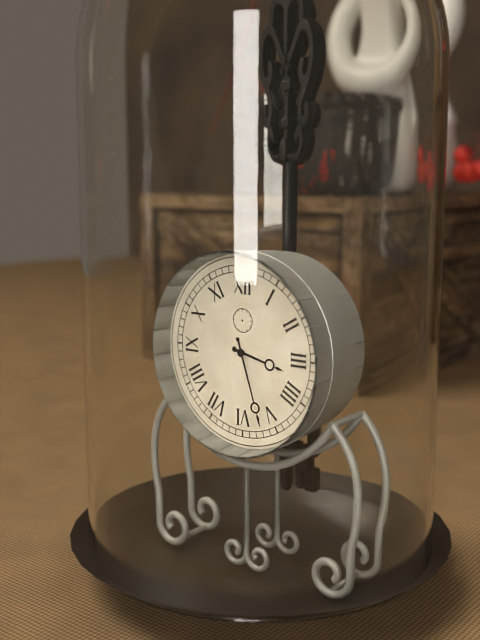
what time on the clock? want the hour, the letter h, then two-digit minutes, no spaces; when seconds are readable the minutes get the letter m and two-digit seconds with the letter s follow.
3h27
